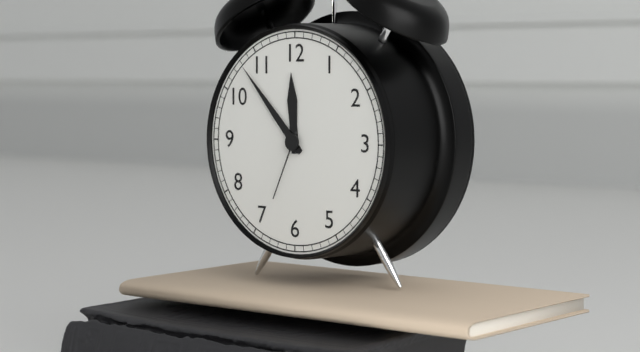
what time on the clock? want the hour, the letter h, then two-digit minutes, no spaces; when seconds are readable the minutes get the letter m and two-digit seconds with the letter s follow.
11h53m34s
